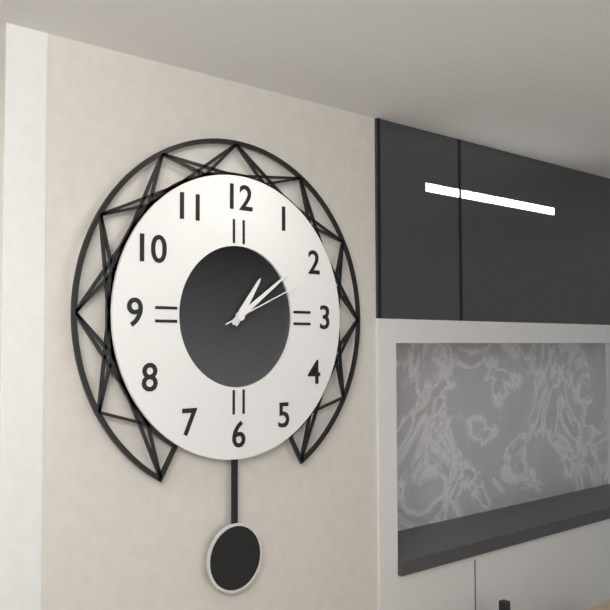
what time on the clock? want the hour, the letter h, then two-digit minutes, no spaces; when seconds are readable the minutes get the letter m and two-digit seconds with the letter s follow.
1h09m11s
